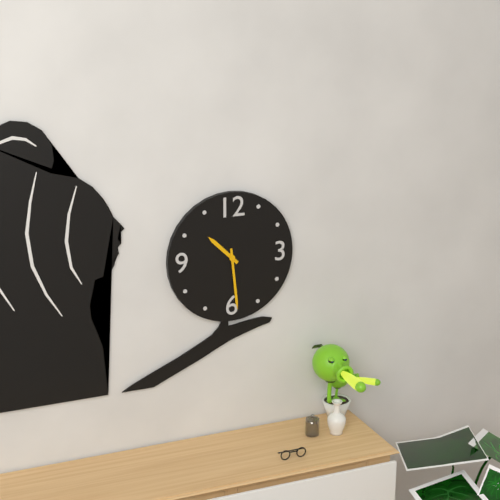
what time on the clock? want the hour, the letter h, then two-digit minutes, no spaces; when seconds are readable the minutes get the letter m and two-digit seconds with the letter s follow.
10h29
